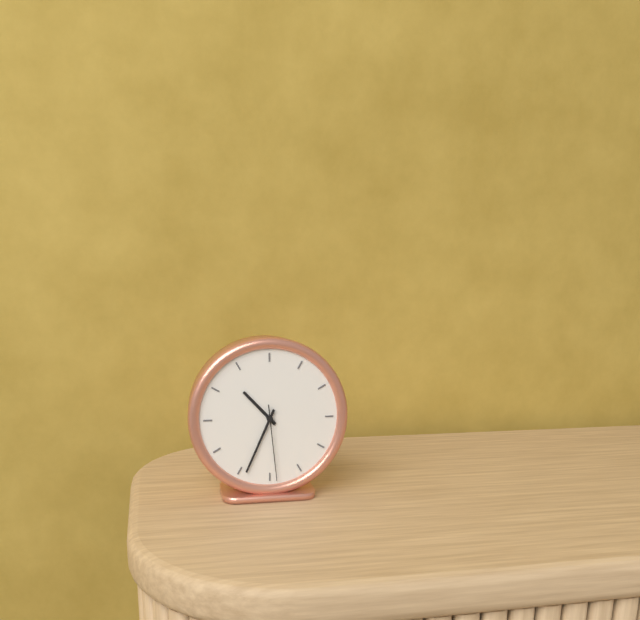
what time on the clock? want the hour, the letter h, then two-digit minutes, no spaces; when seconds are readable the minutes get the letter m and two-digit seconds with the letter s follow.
10h34m29s
